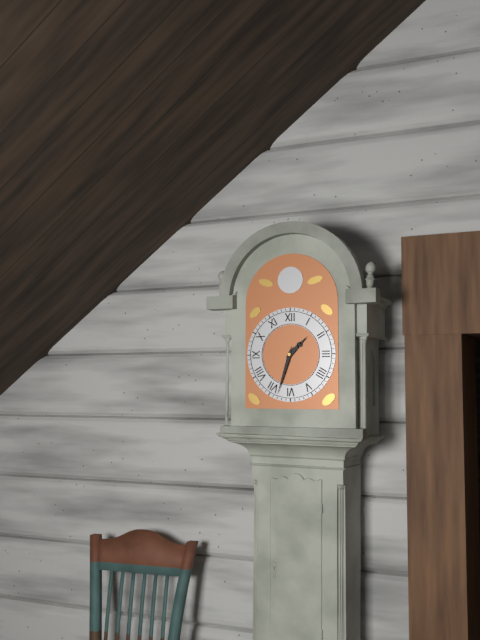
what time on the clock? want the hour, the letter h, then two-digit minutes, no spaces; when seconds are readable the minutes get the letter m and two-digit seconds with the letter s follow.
1h33
